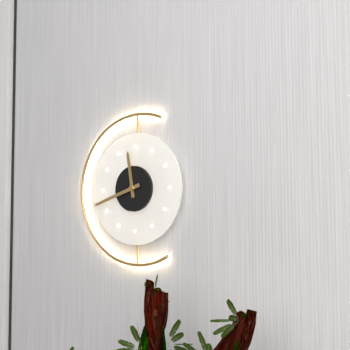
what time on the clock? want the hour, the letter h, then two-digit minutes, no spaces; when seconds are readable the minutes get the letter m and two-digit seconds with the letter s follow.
11h42
